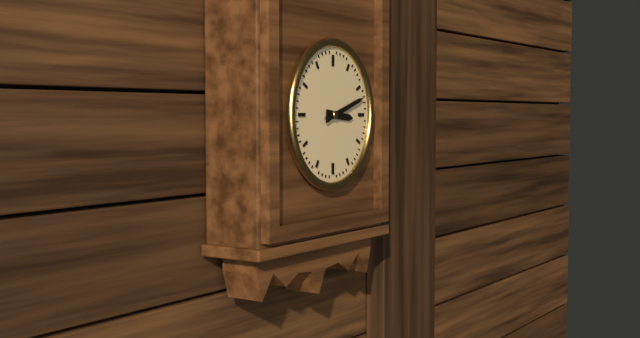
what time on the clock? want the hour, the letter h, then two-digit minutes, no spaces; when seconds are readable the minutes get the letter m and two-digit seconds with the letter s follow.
3h12
